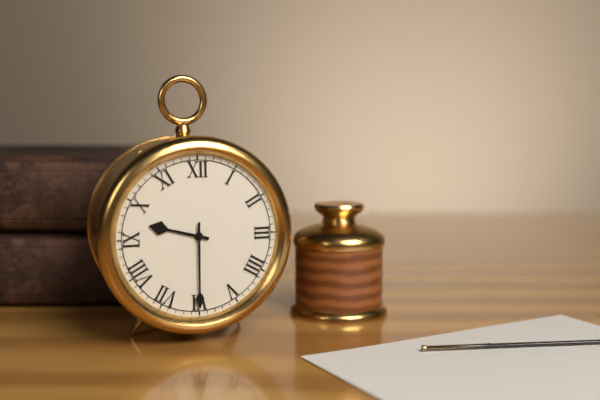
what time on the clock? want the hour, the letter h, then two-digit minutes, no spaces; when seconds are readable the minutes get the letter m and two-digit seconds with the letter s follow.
9h30
